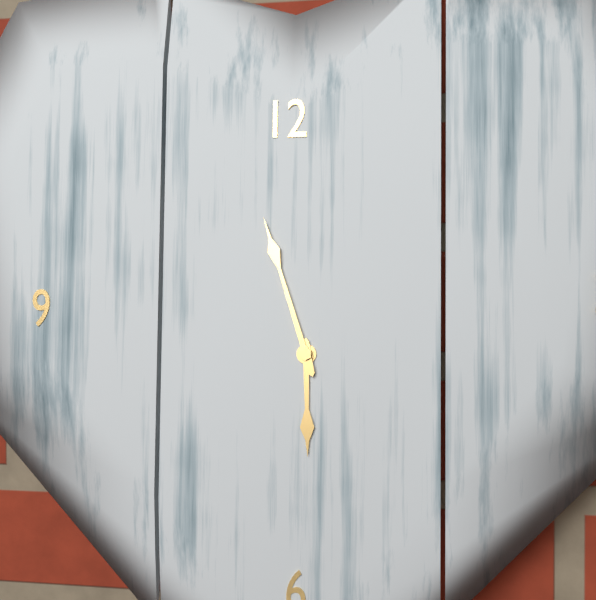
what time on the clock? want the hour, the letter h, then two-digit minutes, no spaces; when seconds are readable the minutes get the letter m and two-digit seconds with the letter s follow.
5h57
